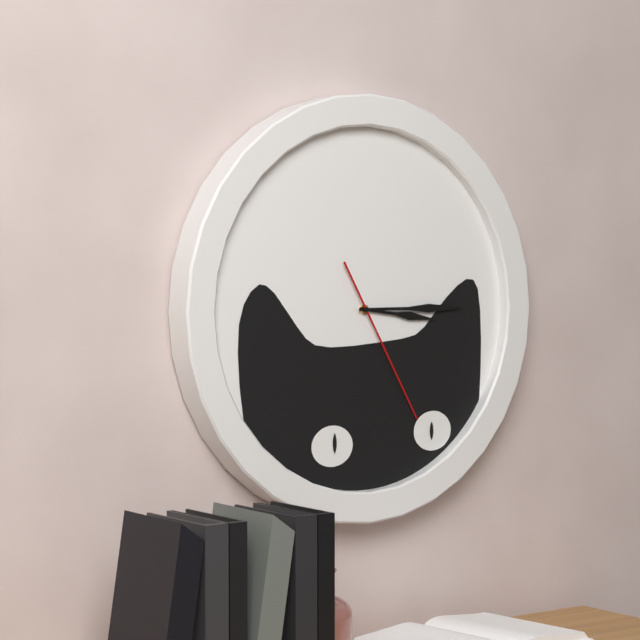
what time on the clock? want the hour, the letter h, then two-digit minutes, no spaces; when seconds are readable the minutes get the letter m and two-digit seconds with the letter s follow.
3h15m25s
